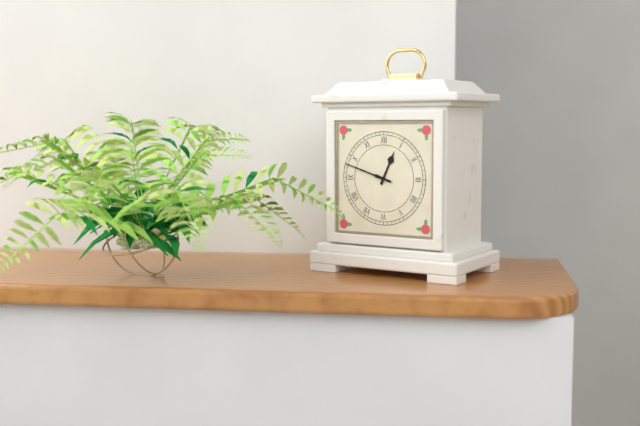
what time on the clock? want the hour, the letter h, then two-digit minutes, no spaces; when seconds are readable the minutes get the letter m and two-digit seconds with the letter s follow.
12h48
